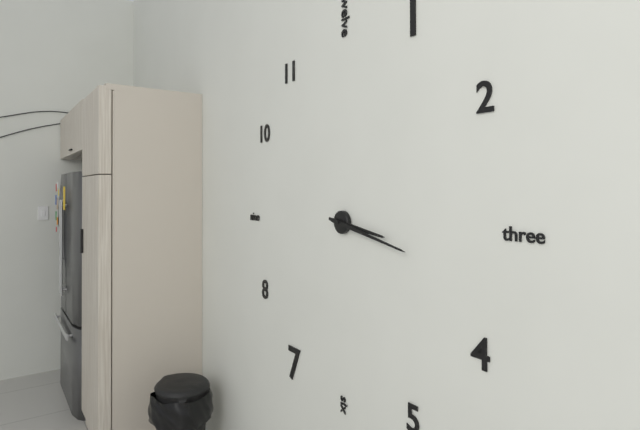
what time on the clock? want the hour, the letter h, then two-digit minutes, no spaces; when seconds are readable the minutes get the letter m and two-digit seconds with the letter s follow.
3h17
